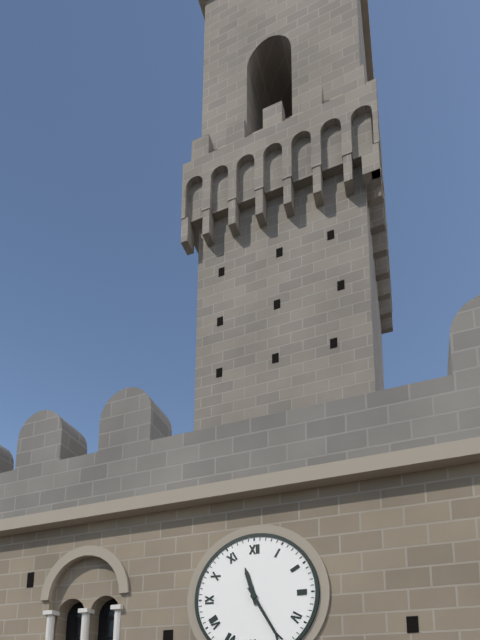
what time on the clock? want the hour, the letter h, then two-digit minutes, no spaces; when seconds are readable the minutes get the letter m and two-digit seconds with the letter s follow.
11h25
